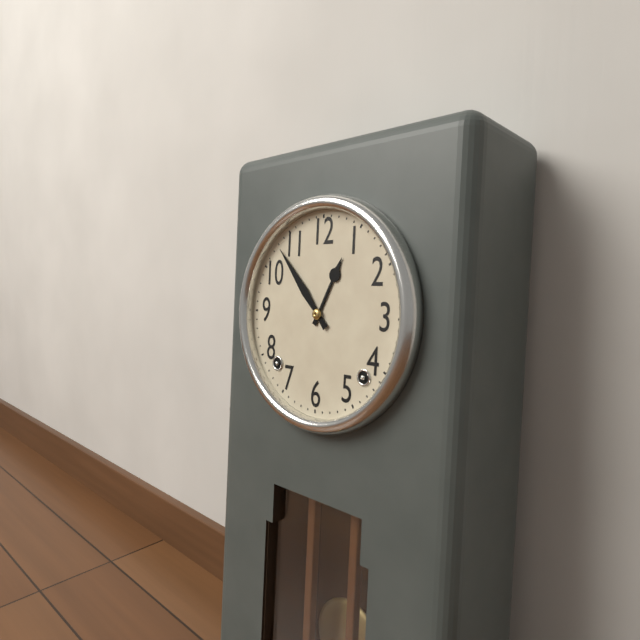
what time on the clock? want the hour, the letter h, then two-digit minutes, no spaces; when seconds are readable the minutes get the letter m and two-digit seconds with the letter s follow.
12h53
